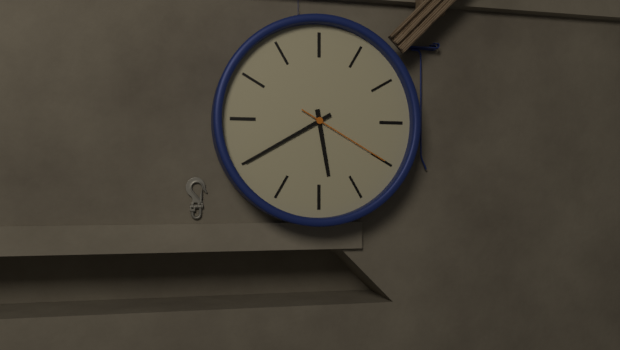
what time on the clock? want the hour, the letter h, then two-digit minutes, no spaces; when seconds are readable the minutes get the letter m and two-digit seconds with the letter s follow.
5h40m20s
